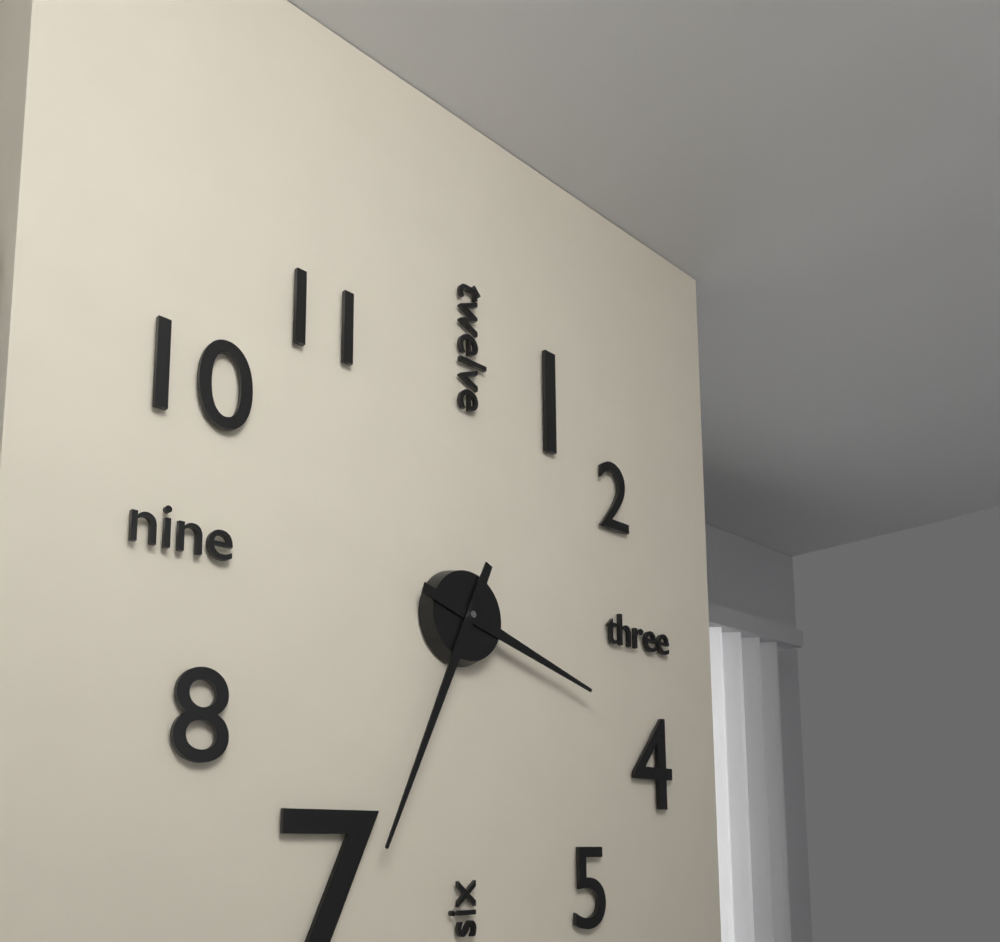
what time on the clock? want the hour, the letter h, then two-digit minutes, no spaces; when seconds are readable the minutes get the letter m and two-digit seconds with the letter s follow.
3h34
